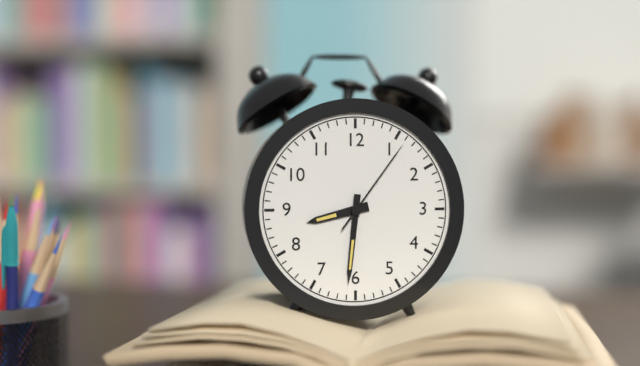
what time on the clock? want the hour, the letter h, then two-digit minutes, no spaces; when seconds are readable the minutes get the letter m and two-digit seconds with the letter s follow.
8h31m06s
